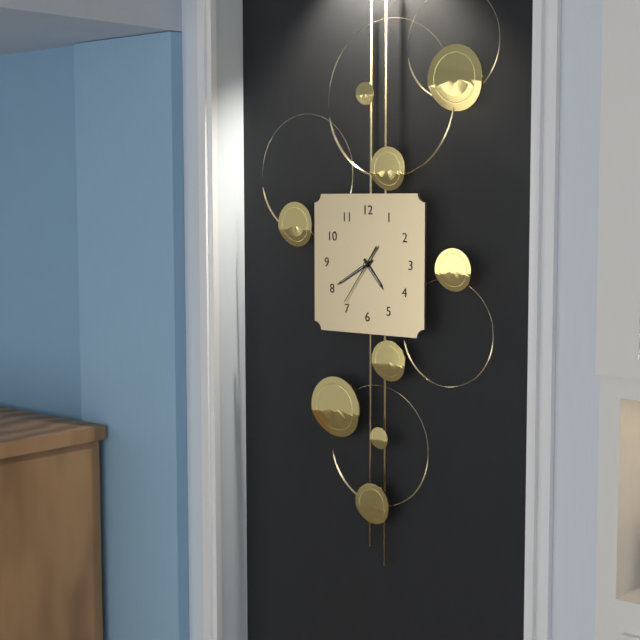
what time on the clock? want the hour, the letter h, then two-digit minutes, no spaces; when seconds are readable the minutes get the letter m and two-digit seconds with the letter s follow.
4h40m36s
